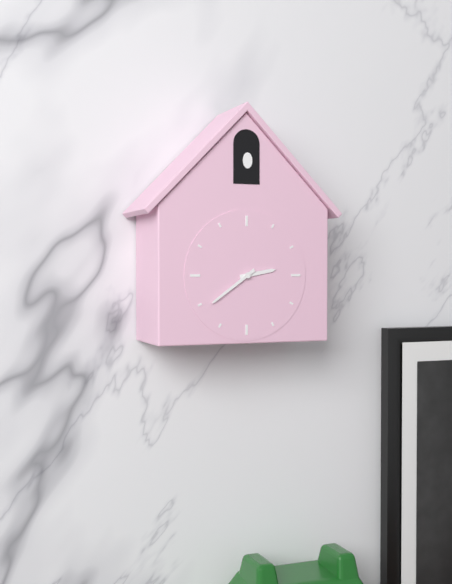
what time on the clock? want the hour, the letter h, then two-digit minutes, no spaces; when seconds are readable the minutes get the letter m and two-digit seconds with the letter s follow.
2h39
